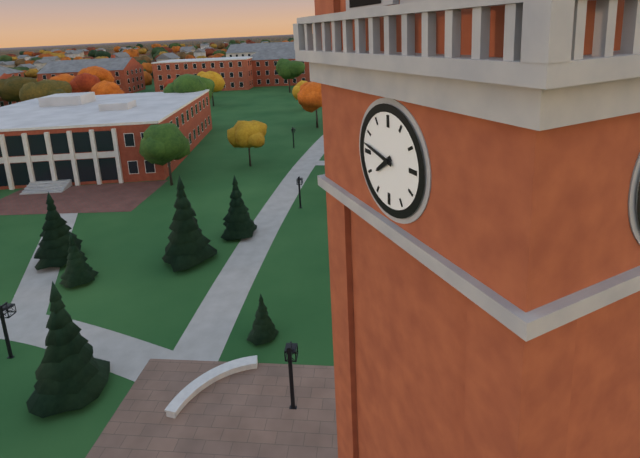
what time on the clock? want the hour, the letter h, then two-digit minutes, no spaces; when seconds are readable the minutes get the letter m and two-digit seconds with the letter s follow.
7h47
